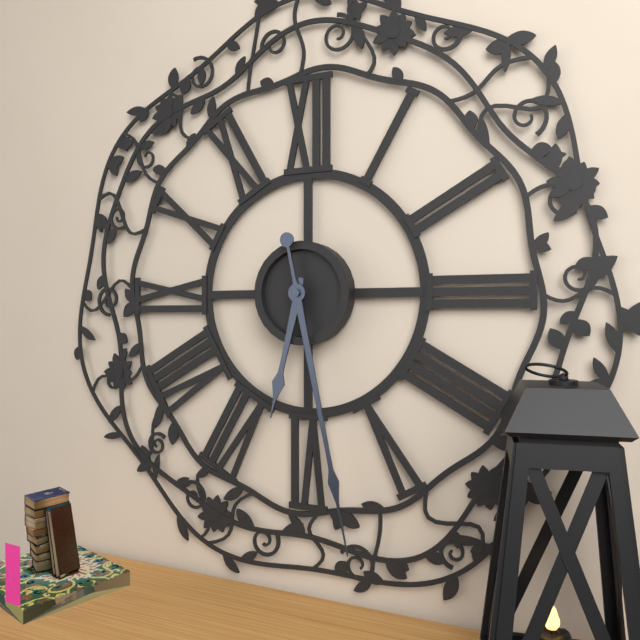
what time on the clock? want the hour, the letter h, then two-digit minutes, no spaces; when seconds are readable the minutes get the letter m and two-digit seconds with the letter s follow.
6h28
